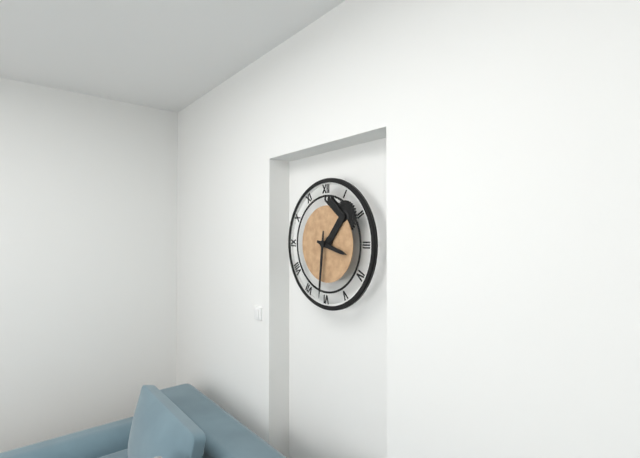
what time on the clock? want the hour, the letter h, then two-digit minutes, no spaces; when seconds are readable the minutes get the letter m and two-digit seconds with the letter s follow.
3h31
